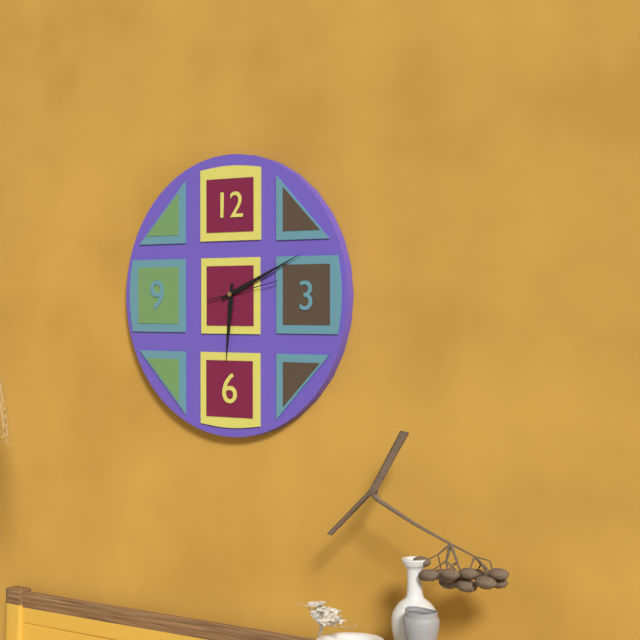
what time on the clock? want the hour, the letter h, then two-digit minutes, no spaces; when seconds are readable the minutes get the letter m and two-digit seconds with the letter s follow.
6h11m13s
